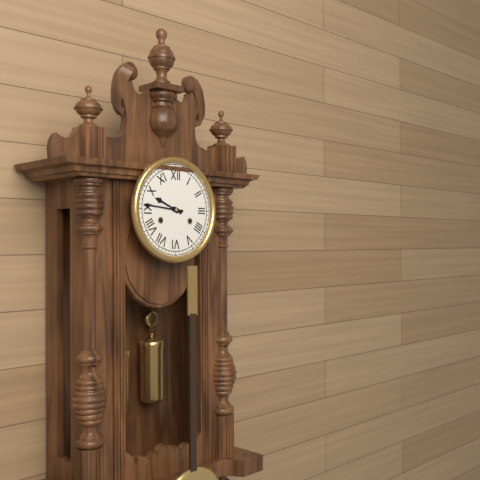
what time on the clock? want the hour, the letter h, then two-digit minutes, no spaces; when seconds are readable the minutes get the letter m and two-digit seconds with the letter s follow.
9h46
